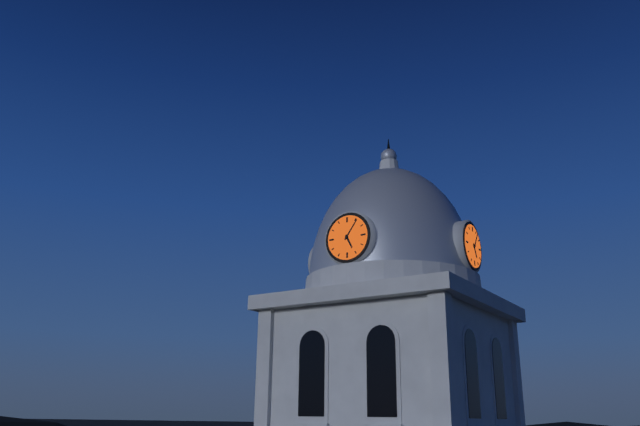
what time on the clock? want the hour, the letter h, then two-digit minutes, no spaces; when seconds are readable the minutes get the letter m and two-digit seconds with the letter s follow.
5h06
